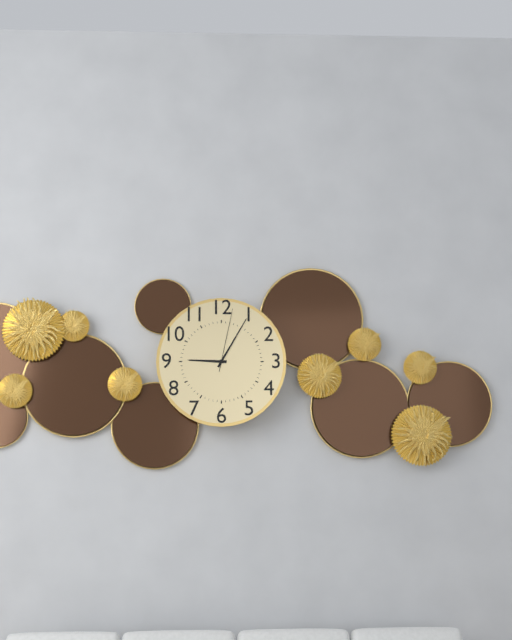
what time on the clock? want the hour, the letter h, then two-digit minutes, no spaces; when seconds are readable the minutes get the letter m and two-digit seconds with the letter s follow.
9h05m02s
